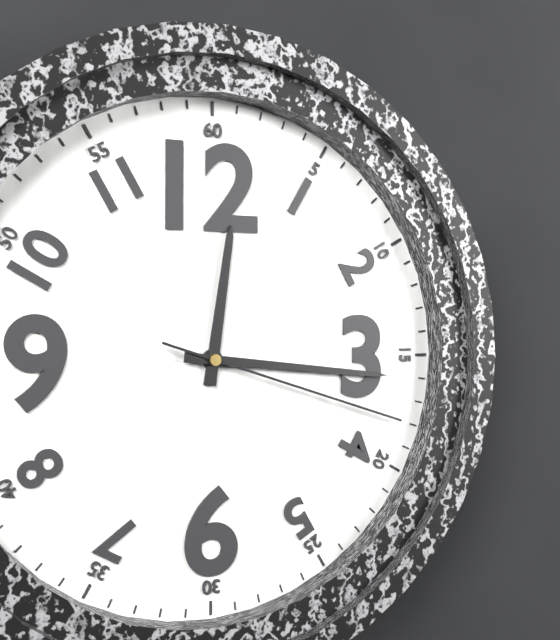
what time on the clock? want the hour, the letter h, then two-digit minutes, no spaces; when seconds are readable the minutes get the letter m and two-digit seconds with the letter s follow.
12h16m18s
